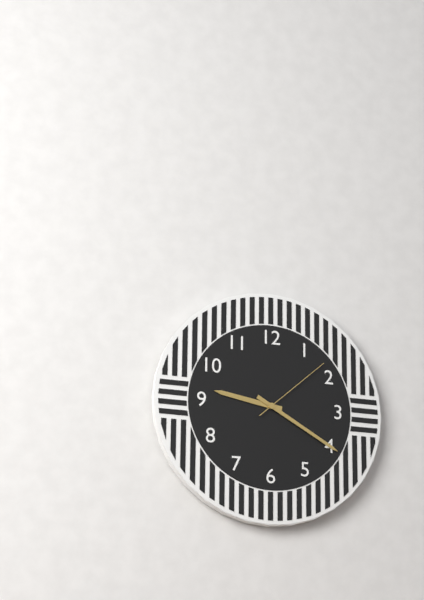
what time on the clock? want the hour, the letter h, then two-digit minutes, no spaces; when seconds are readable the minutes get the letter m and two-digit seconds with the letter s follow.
9h20m08s
